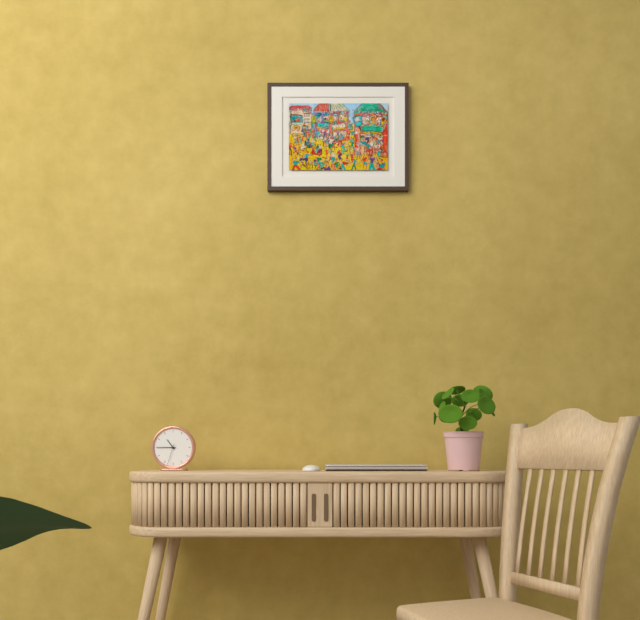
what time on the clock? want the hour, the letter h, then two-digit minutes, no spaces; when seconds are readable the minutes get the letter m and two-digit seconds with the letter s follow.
10h45
